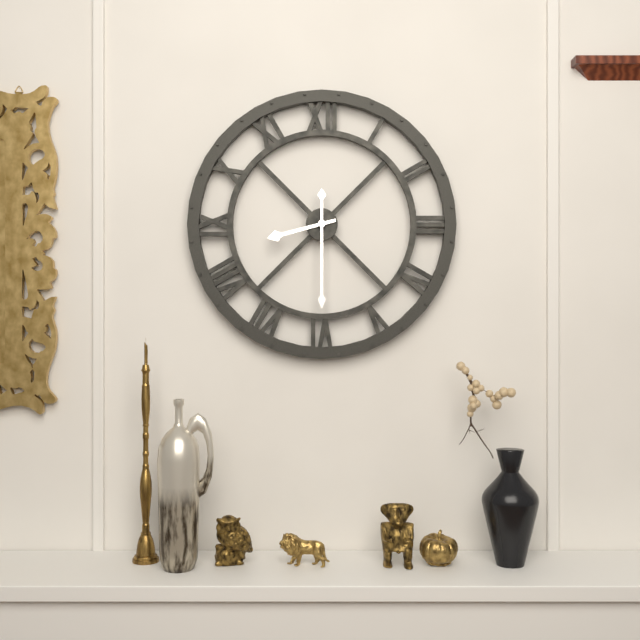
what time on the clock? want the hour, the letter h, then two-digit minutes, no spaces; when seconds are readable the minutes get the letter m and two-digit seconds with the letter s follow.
8h30
